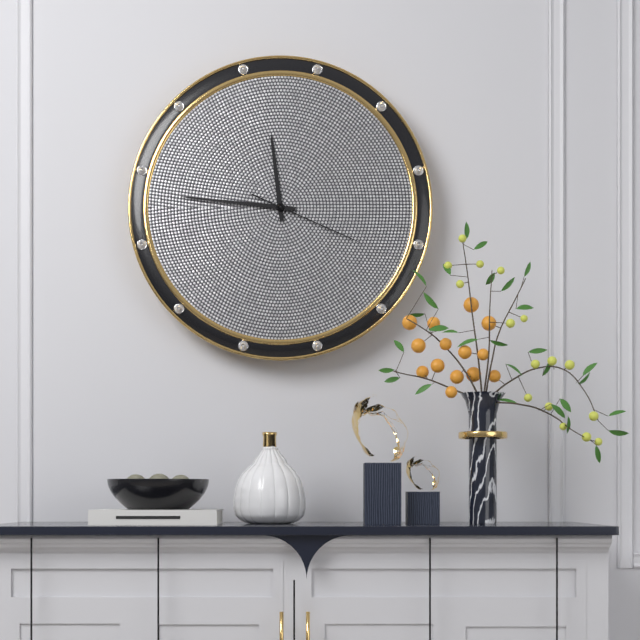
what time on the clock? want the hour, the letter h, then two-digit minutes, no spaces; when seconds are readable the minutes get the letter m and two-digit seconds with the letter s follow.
11h46m19s
